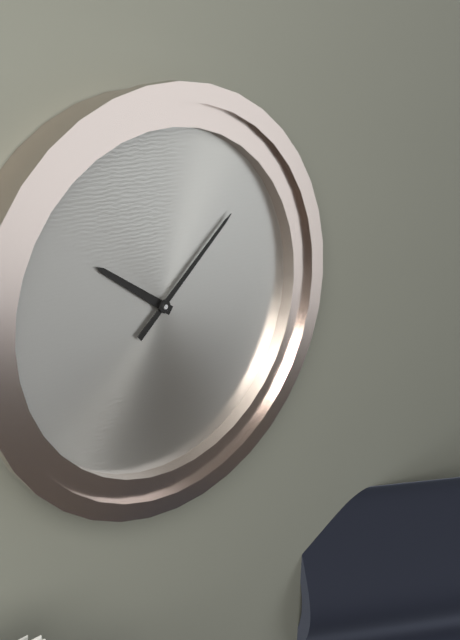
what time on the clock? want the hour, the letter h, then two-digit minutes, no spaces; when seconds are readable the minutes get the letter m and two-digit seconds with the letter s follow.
10h08
